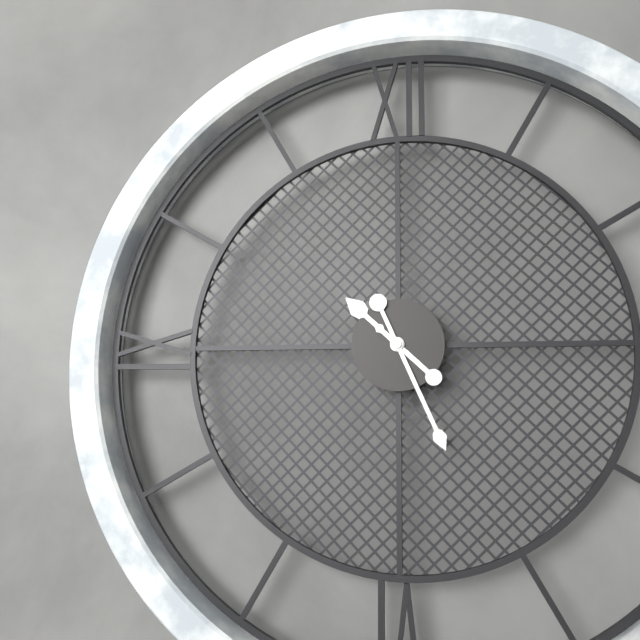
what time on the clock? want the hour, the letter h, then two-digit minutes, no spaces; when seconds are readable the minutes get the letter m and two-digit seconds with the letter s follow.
10h26
